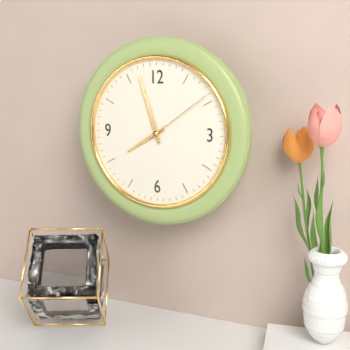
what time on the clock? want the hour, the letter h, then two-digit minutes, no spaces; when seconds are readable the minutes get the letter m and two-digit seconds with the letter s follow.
7h57m09s
